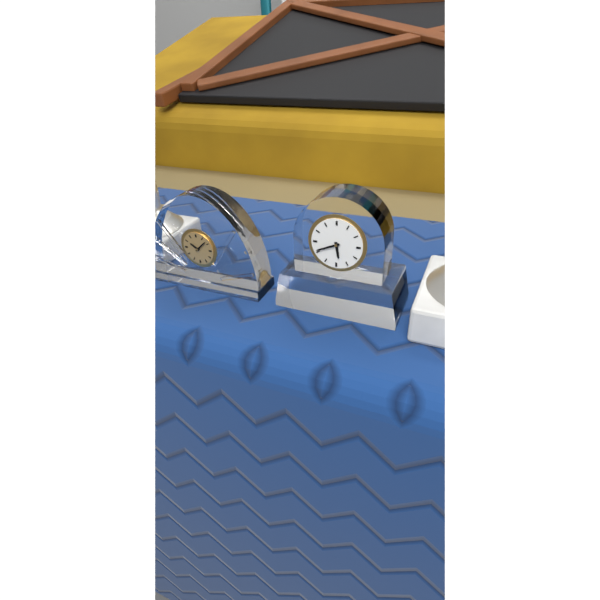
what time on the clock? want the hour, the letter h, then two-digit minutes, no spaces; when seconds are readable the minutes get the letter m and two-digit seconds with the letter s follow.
5h41
